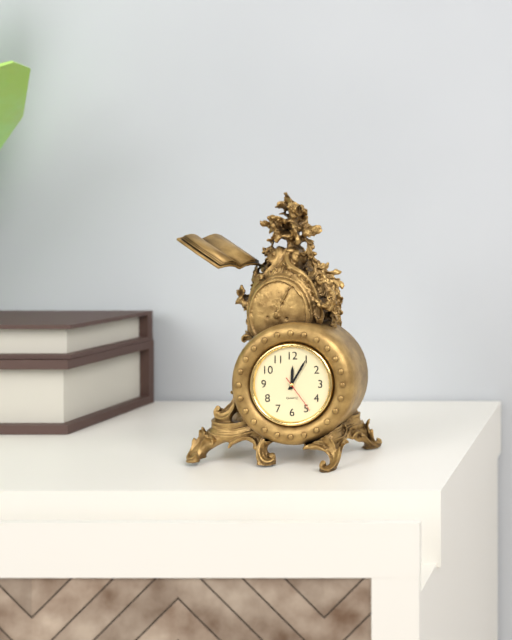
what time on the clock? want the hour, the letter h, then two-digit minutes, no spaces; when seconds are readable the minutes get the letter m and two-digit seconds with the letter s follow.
12h05
